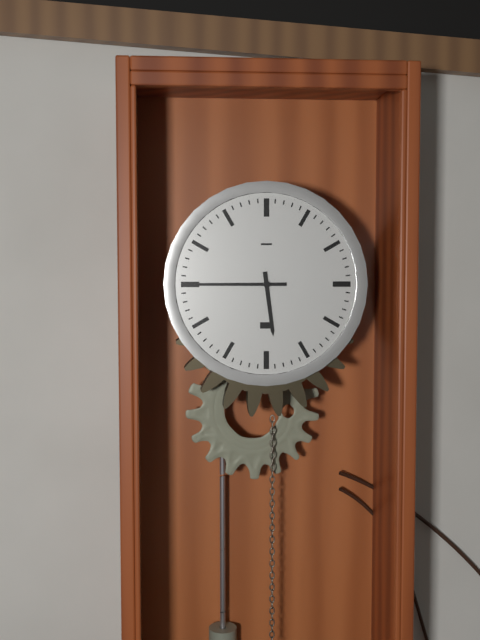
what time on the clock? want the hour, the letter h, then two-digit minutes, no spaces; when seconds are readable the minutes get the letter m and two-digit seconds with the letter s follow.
5h45
